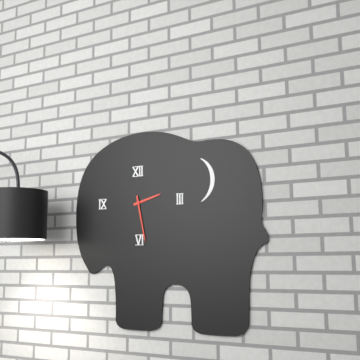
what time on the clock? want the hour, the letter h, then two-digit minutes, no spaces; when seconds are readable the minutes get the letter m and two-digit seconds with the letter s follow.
2h28
